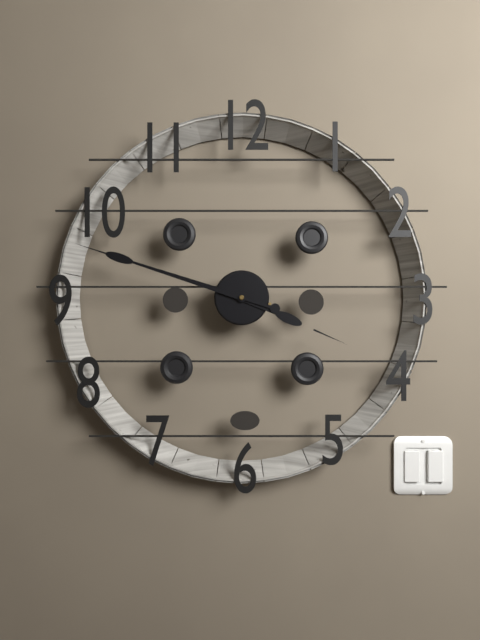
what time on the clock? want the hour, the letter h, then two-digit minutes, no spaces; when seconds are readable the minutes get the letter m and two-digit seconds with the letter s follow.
3h48
